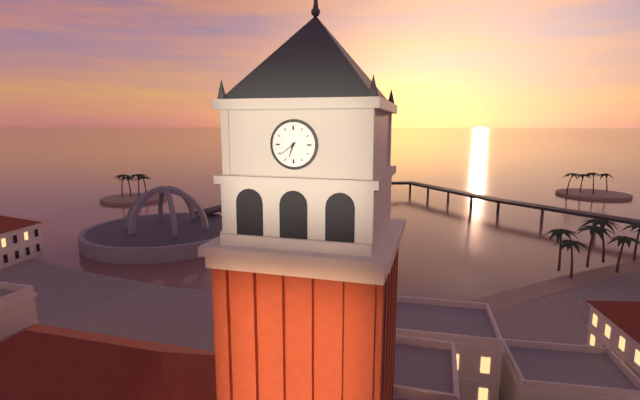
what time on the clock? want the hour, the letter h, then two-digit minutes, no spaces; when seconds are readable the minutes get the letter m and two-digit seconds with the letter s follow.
6h39
